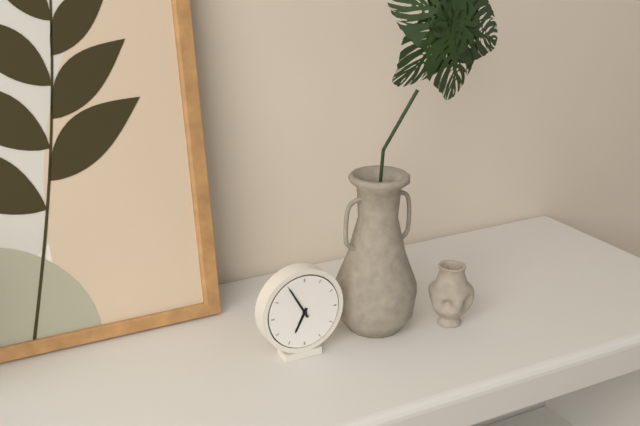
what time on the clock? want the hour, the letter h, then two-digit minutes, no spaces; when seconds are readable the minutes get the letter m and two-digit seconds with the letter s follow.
6h55
